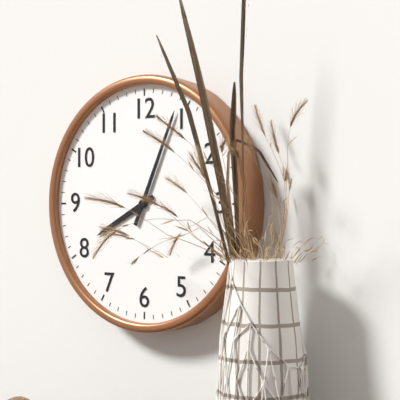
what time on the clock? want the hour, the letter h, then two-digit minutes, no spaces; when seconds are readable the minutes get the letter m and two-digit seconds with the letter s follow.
8h04
